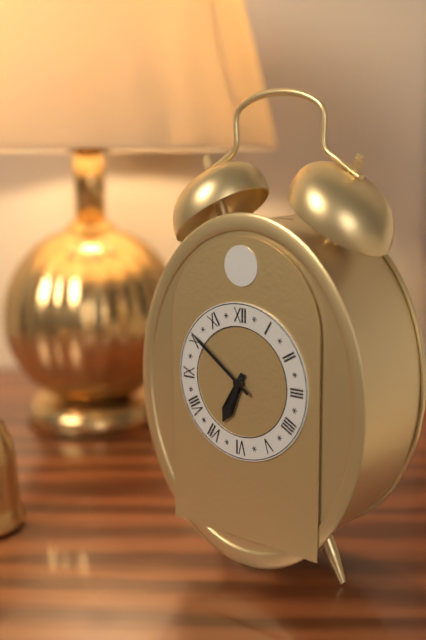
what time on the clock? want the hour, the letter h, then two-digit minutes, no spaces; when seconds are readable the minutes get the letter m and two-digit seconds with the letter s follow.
6h51
